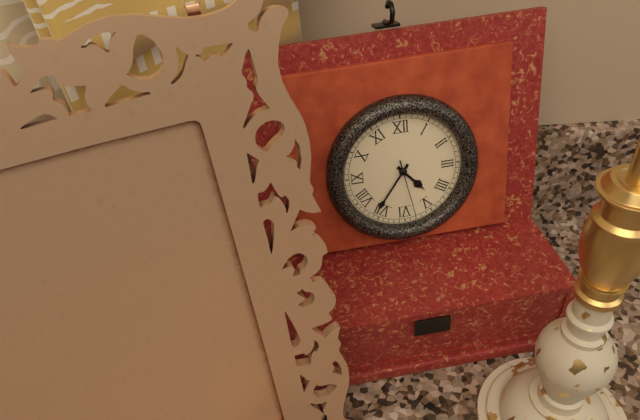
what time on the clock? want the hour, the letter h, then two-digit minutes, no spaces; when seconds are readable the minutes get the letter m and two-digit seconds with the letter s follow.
4h36m28s
